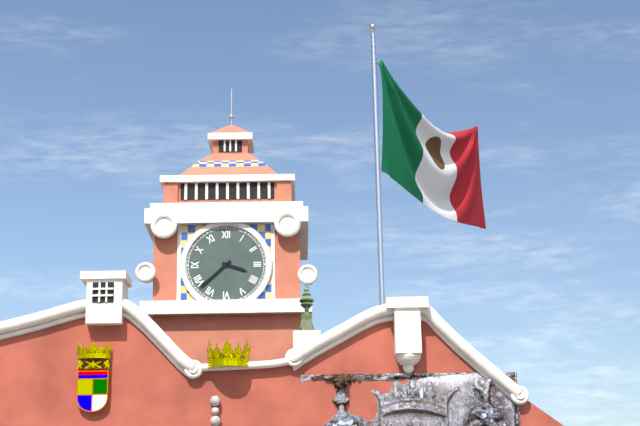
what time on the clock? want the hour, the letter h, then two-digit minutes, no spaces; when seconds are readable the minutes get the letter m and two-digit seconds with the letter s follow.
3h38
